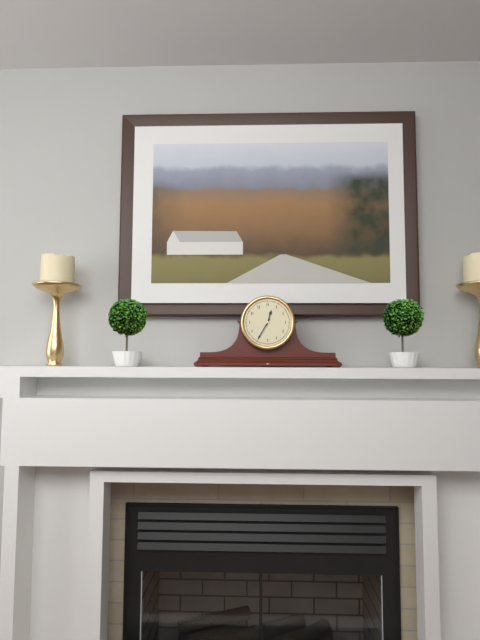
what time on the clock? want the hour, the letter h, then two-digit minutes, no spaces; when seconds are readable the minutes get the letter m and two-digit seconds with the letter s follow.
12h35
